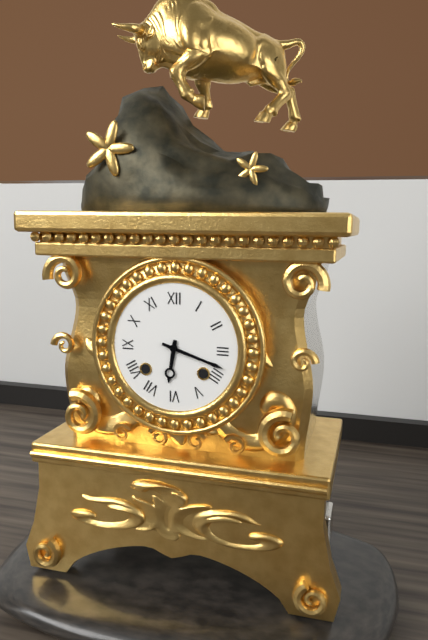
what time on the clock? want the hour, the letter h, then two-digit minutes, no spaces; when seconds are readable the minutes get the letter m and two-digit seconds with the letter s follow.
6h18
